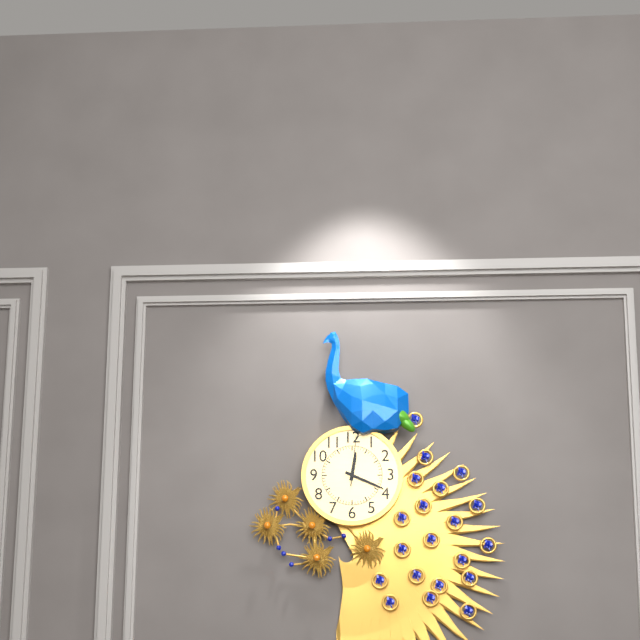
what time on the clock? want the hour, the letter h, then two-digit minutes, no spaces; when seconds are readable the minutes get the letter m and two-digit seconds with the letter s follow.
12h19
